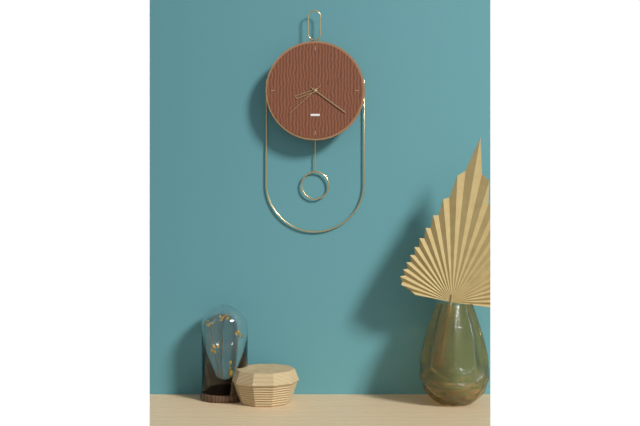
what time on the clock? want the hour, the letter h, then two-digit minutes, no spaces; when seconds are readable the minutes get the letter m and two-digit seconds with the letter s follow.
8h21
